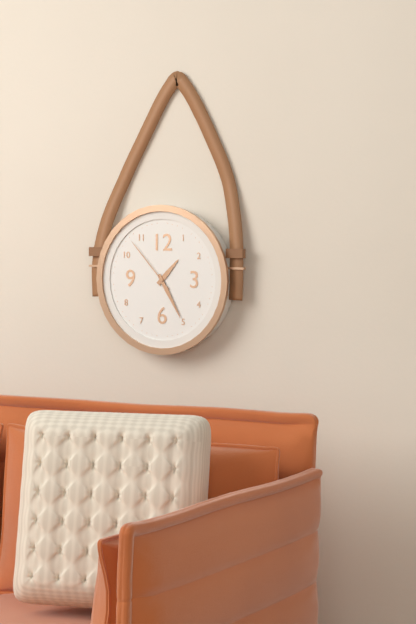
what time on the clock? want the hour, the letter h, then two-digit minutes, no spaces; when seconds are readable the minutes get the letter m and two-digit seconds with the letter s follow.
1h25m53s
